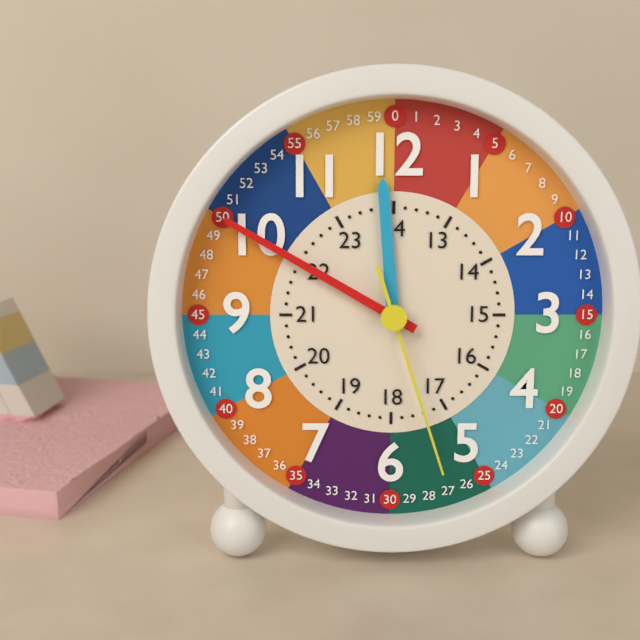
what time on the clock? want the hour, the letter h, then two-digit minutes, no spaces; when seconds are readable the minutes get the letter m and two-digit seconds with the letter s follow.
11h50m27s
